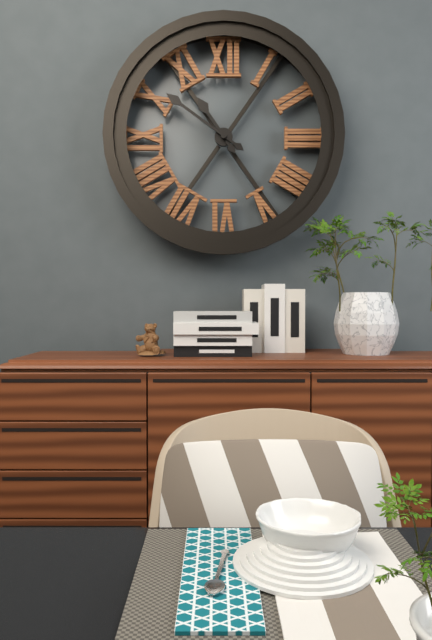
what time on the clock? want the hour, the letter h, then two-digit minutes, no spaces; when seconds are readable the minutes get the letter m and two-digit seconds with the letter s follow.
10h51
